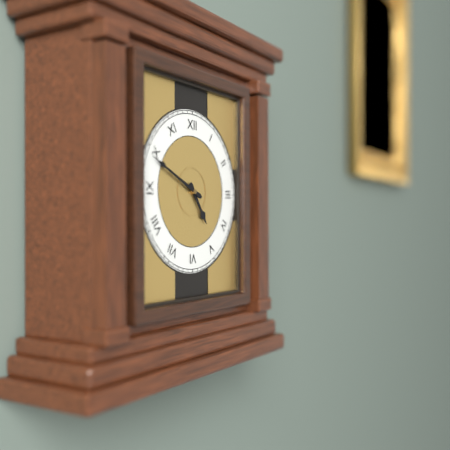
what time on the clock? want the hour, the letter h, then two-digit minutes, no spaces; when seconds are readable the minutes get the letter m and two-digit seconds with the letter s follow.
4h49
